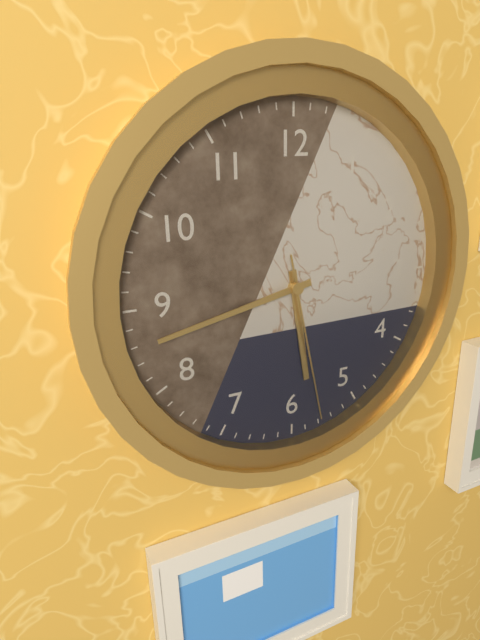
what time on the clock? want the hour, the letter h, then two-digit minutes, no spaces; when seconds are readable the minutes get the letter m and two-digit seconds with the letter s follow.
5h43m28s
